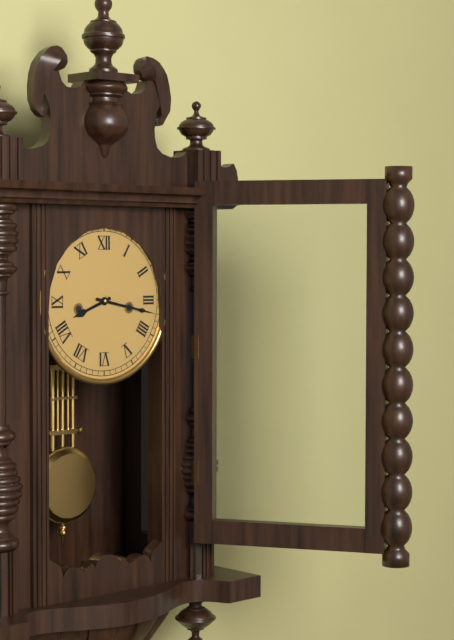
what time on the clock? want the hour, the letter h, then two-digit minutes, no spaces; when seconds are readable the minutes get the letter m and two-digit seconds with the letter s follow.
8h17
